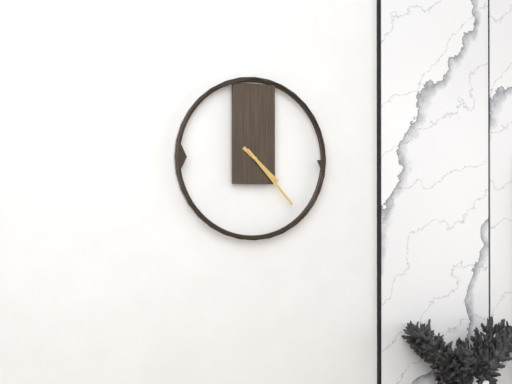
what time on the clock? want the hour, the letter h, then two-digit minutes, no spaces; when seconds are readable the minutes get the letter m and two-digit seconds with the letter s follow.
4h23
